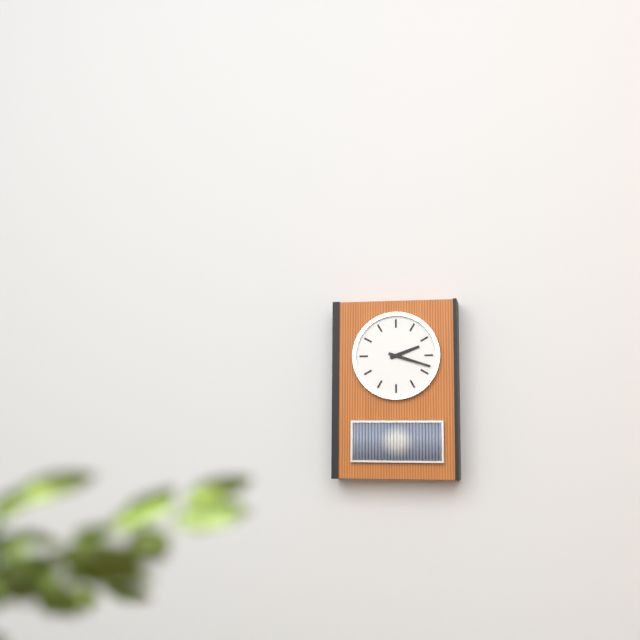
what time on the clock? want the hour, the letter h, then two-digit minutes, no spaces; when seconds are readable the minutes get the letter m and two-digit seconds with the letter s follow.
2h18
